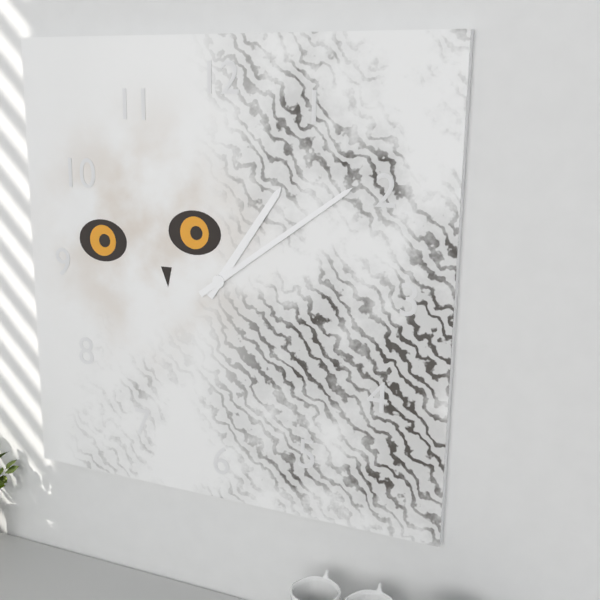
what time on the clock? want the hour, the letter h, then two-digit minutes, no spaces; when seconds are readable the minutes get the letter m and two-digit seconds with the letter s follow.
1h09
